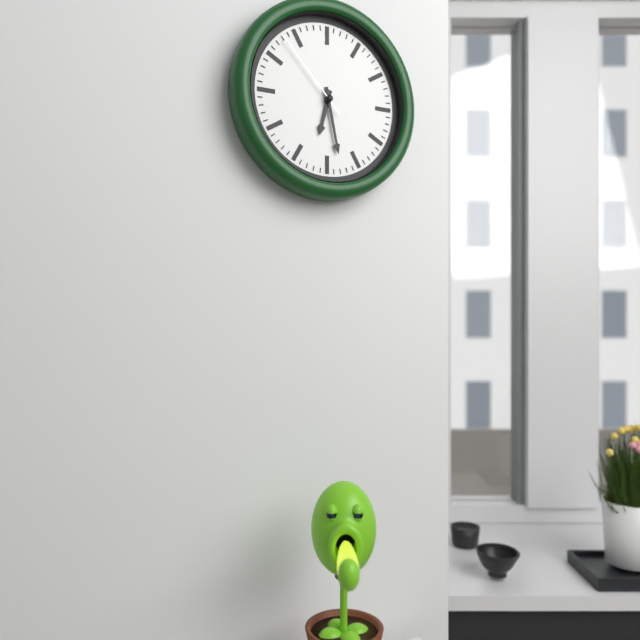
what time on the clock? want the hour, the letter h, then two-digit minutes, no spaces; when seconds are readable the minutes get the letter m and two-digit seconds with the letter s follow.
6h28m53s
